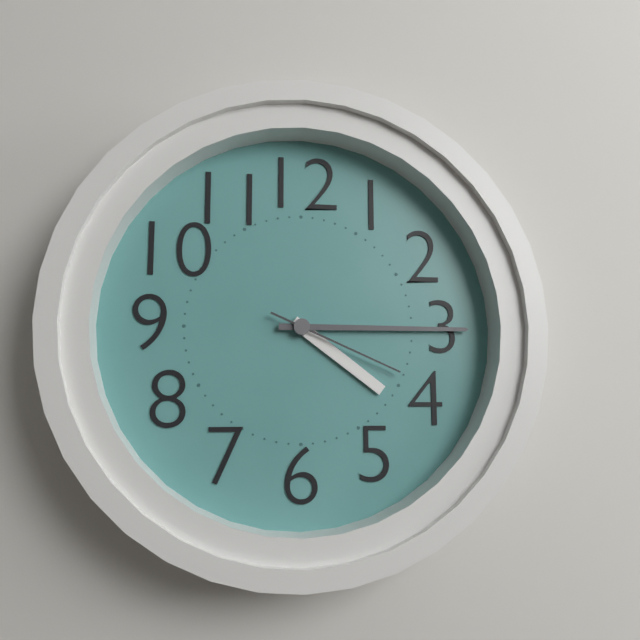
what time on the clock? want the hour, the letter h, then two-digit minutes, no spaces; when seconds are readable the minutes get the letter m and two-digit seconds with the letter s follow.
4h15m19s
